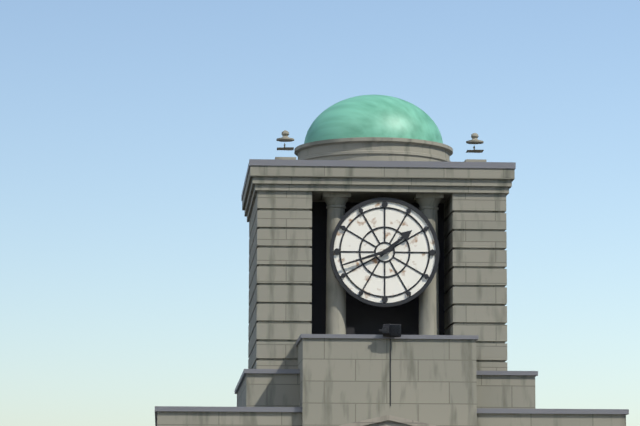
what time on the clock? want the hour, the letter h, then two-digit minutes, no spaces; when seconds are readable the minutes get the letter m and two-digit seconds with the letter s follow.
1h42
